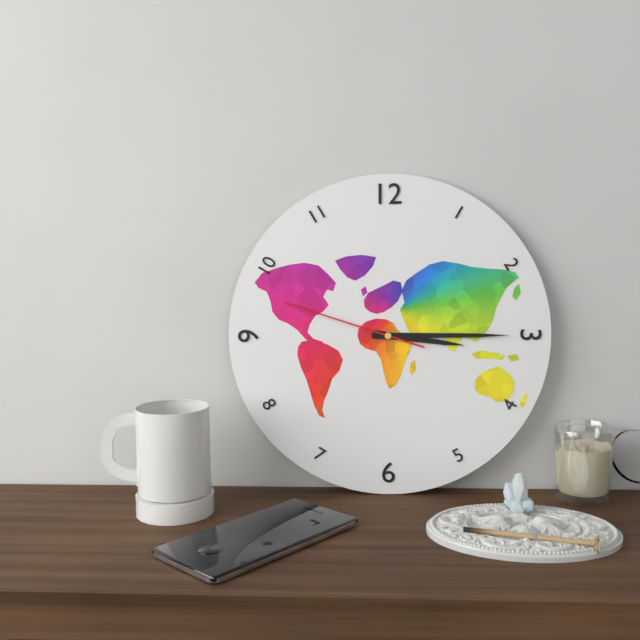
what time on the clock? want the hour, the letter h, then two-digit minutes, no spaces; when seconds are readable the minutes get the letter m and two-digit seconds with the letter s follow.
3h15m48s
